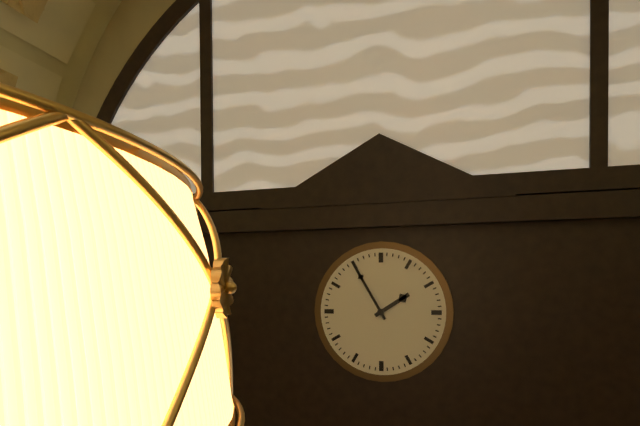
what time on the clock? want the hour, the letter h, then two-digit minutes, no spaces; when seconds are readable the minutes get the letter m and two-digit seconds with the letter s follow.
1h55
